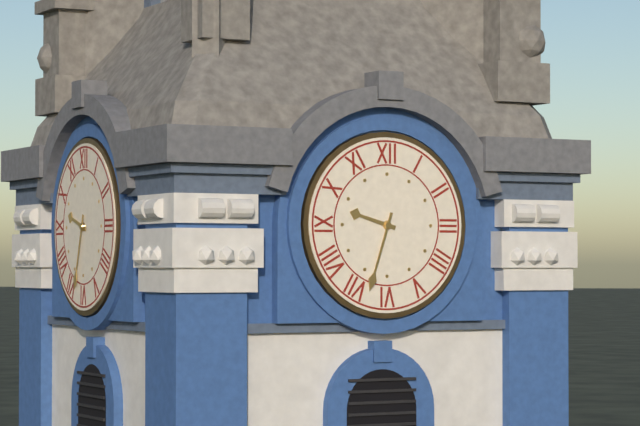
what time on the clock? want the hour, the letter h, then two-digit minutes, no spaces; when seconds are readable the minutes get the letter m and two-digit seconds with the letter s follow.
9h33
